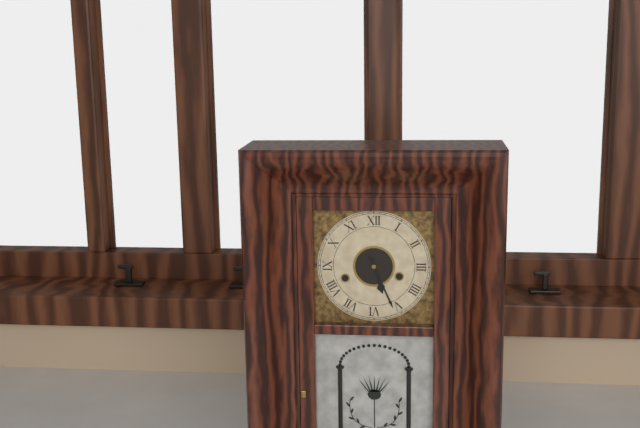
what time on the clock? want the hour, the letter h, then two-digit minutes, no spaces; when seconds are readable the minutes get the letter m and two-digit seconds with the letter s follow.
5h26
